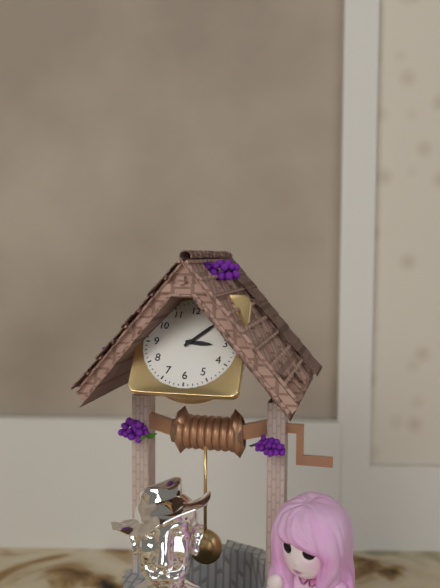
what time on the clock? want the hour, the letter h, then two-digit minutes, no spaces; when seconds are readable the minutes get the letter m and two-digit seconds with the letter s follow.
3h08
